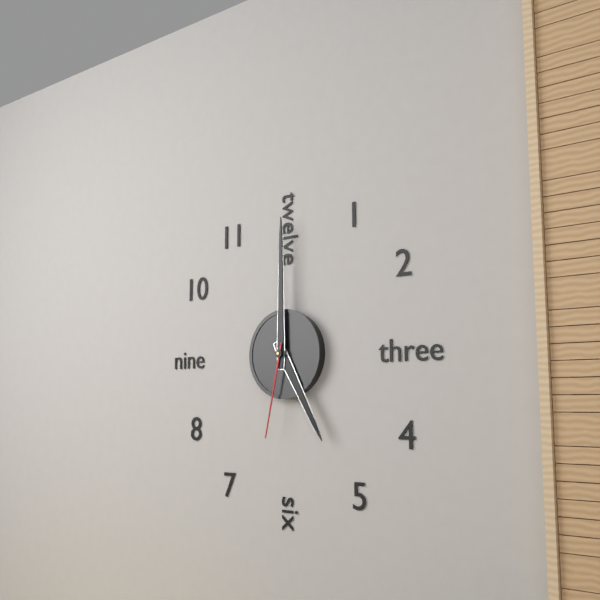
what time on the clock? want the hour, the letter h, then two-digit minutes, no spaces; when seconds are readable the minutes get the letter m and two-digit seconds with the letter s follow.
5h00m32s
